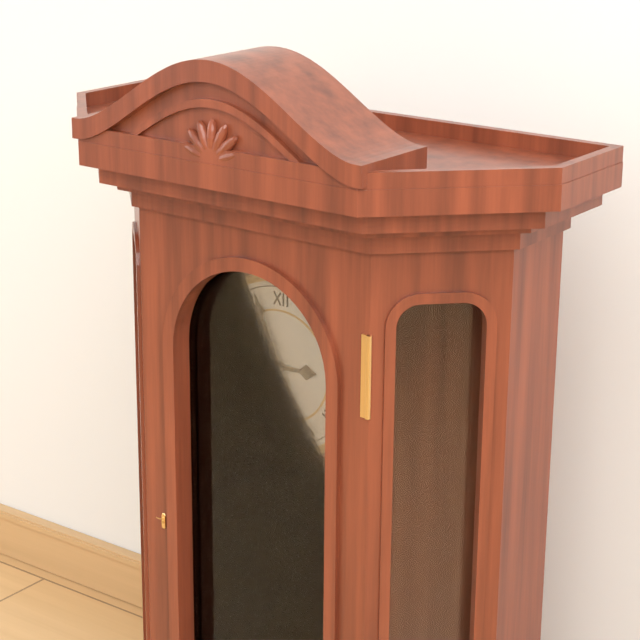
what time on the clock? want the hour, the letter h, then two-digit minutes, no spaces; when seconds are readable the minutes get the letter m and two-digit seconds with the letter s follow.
2h56
